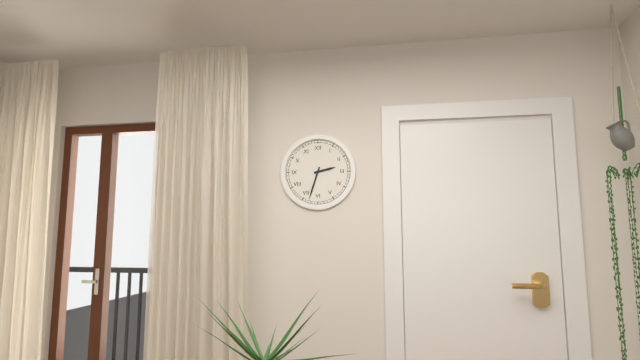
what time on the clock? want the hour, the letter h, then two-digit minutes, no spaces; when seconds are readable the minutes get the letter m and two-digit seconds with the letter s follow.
2h33
